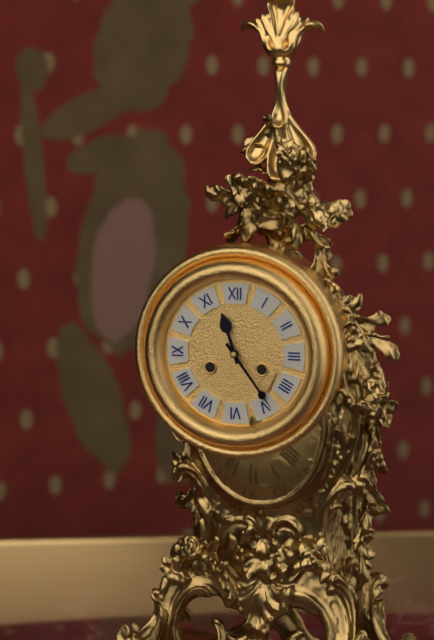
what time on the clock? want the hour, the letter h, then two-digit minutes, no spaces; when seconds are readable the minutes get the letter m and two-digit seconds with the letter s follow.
11h24
